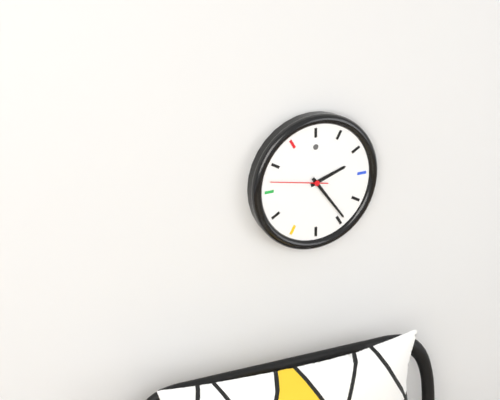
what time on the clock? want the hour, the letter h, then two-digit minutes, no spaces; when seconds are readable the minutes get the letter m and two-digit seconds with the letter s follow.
2h24m47s
